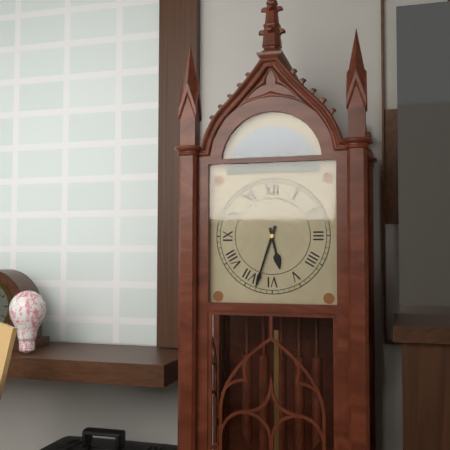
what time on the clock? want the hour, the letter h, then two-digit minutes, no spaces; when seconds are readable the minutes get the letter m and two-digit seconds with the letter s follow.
5h33
